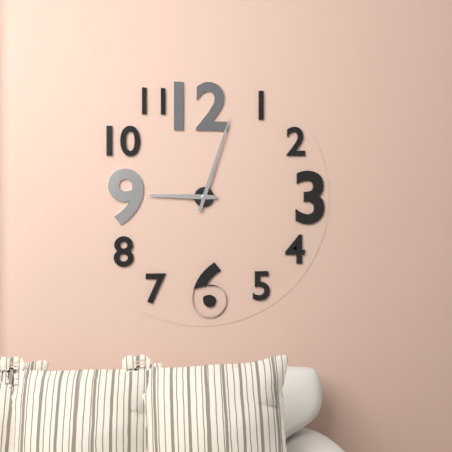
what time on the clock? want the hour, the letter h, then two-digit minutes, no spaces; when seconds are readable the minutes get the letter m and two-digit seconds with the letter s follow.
9h03
